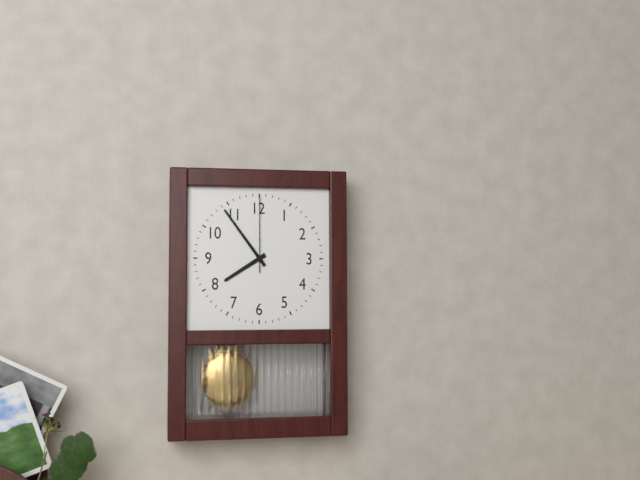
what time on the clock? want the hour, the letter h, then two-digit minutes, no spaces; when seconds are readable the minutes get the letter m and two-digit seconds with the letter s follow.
7h54m00s
